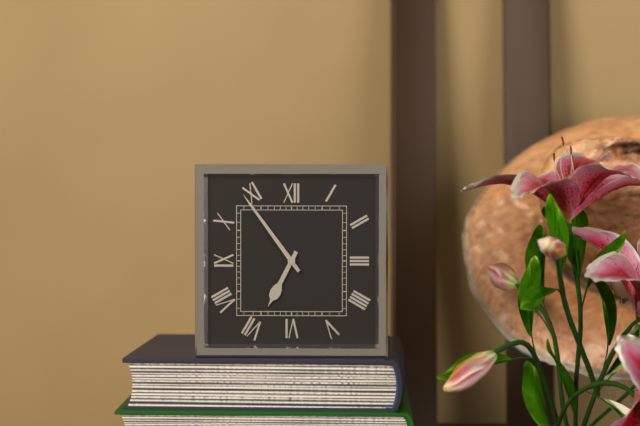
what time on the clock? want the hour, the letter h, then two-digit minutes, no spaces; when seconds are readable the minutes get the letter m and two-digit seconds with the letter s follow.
6h54
